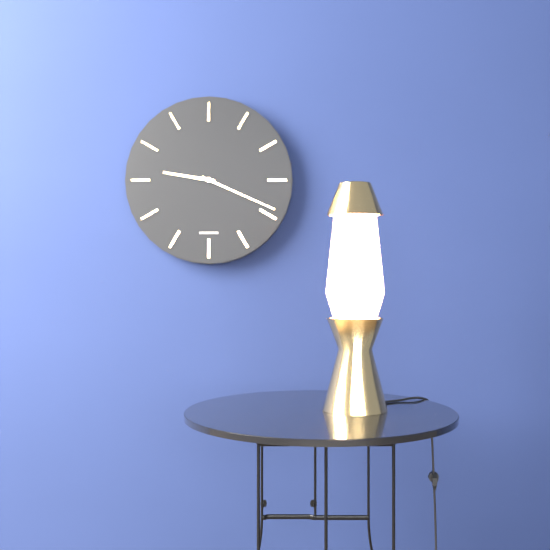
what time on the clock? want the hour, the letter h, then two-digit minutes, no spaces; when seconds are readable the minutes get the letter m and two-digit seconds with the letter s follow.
9h19
